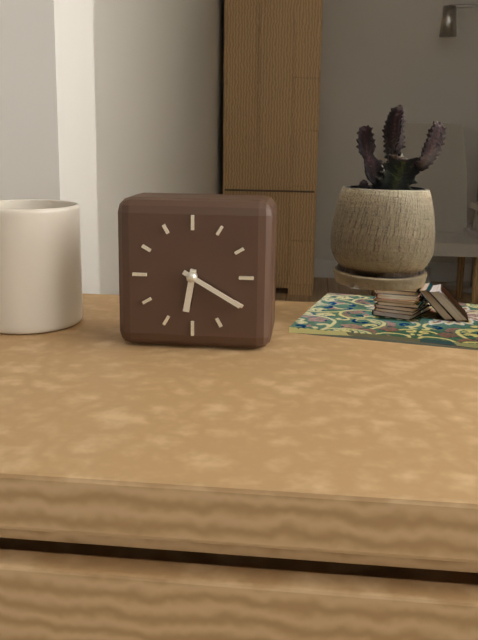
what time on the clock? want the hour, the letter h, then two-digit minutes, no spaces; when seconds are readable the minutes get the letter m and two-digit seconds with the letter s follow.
6h20
